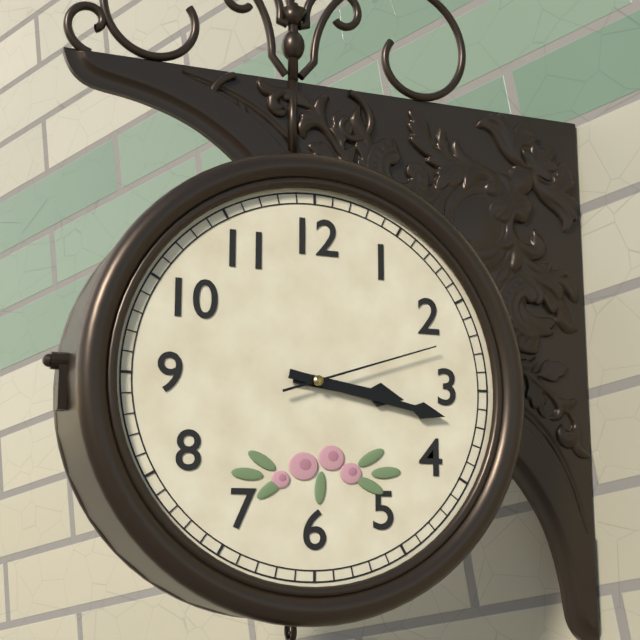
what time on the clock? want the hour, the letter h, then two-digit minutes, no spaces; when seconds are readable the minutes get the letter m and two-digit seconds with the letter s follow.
3h17m12s
